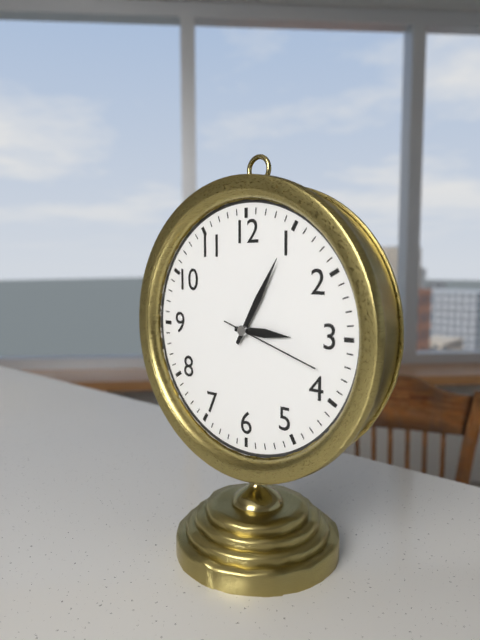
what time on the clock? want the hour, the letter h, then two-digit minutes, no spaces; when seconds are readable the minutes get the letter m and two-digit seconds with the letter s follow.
3h05m18s
